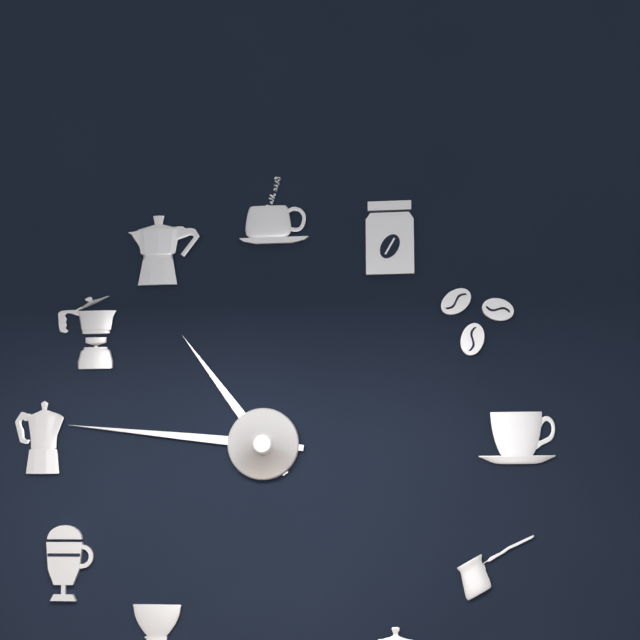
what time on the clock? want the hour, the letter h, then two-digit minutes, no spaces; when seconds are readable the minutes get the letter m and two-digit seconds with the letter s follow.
10h46
